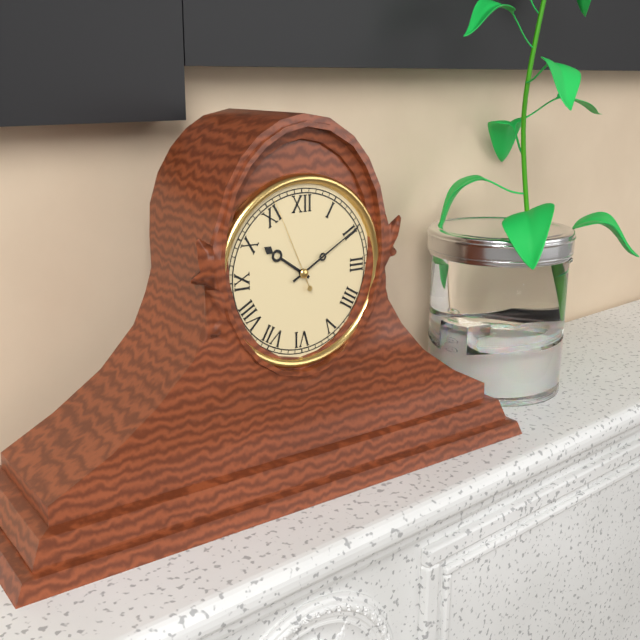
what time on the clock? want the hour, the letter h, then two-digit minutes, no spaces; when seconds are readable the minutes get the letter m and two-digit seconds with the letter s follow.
10h10m56s
